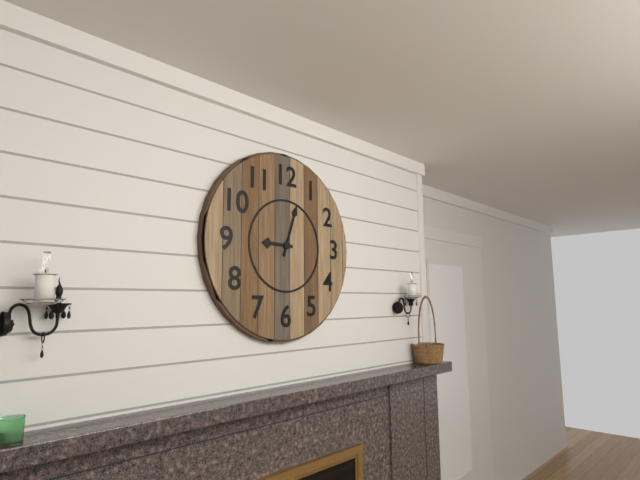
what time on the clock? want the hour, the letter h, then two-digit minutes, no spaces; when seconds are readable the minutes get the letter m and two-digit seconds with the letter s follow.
9h03
